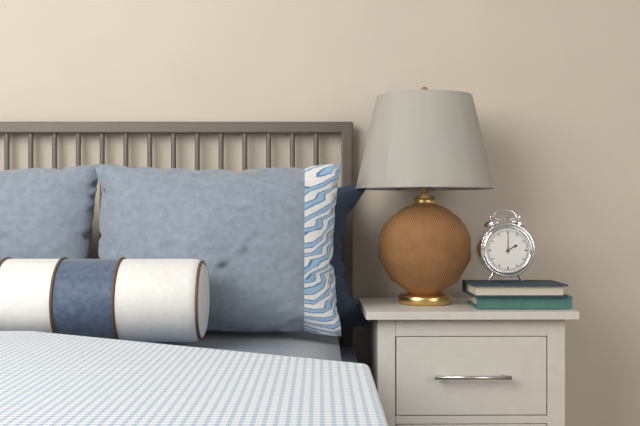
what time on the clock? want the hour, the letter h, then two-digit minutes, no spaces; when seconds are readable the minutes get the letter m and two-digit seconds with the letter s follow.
2h00
